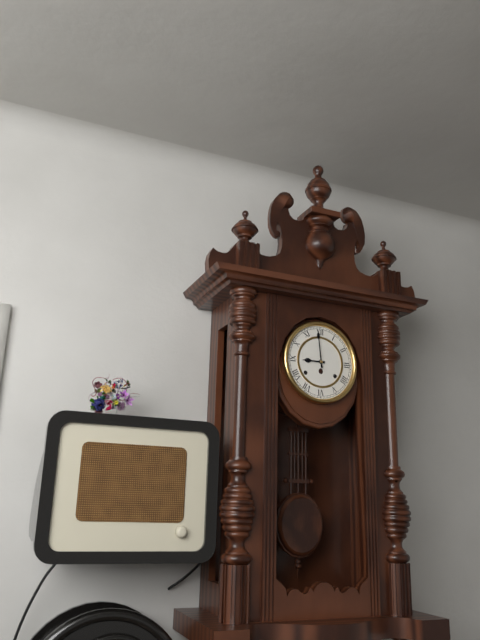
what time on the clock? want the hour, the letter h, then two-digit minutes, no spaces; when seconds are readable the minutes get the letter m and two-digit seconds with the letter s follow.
8h59
